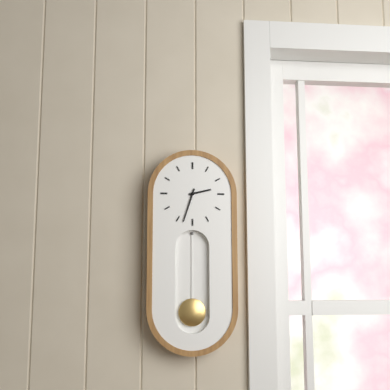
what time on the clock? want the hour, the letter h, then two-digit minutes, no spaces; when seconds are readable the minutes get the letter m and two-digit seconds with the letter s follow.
2h33
